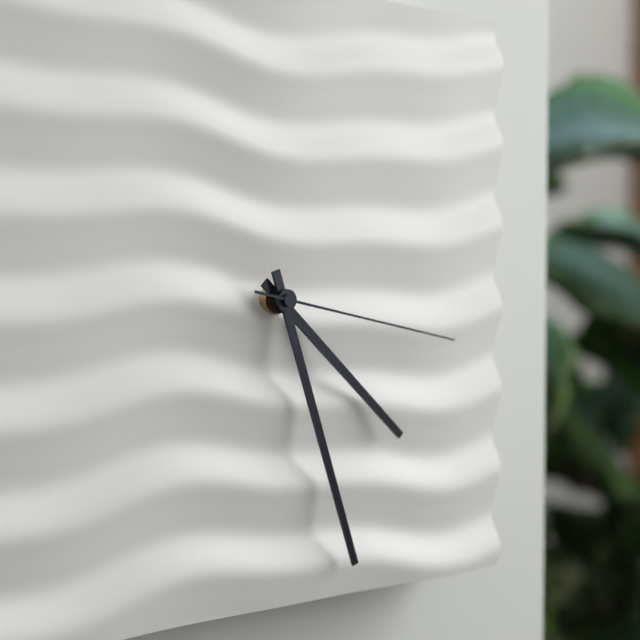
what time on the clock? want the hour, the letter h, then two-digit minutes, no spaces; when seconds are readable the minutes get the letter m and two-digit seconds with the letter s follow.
4h27m17s
